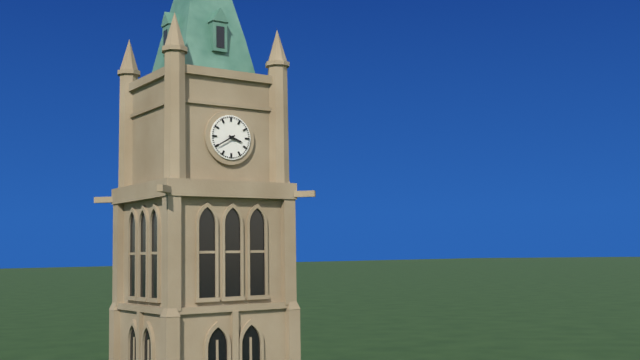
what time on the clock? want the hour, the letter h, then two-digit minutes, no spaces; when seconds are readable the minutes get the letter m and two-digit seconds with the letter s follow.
3h40
